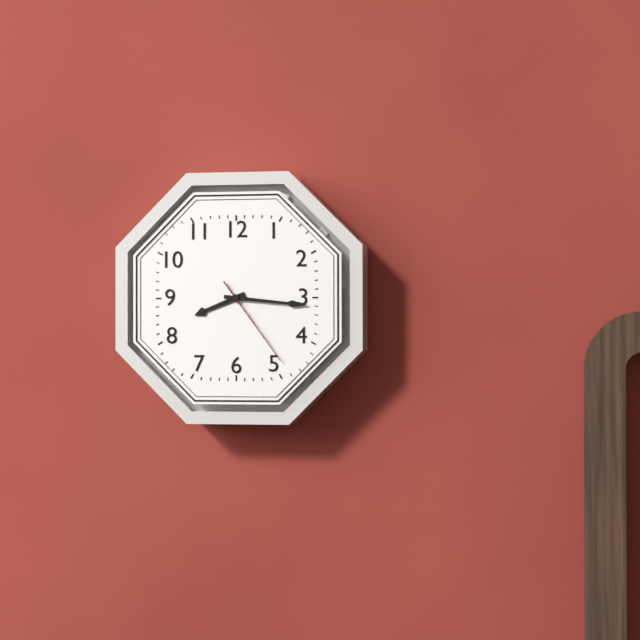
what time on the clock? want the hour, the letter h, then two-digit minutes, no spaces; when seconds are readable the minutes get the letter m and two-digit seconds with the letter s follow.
8h16m24s
